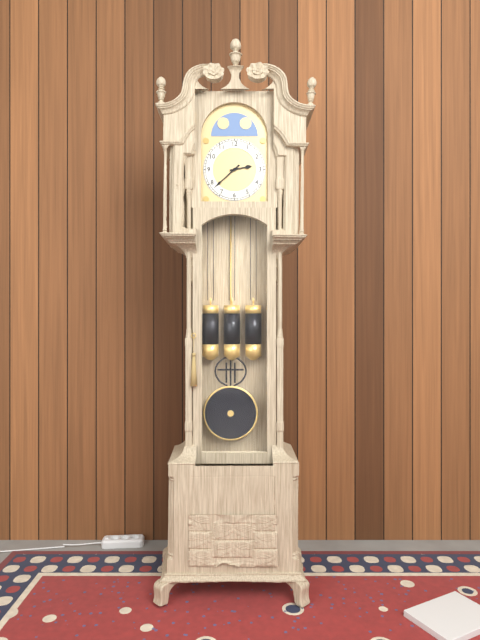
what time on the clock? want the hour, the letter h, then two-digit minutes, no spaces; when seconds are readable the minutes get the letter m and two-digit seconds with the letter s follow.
2h38
